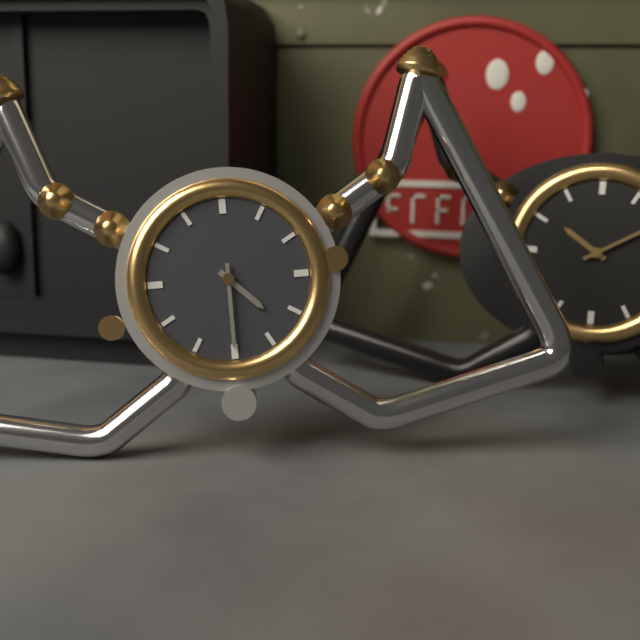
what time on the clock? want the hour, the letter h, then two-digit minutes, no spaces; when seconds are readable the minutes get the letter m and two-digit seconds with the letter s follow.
4h30
